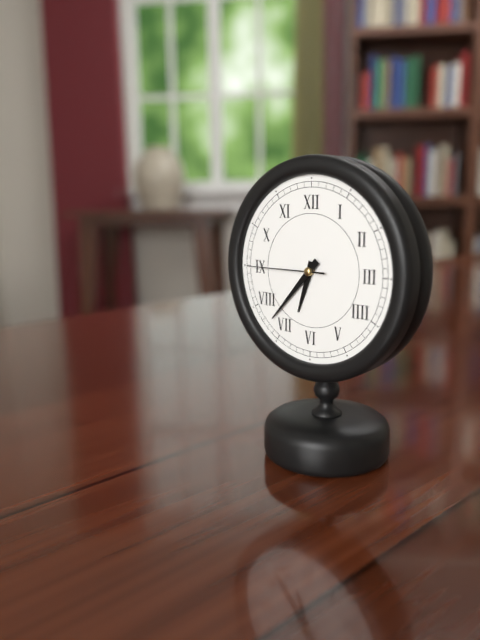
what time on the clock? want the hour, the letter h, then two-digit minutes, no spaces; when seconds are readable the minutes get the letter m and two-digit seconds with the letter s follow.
6h37m45s
